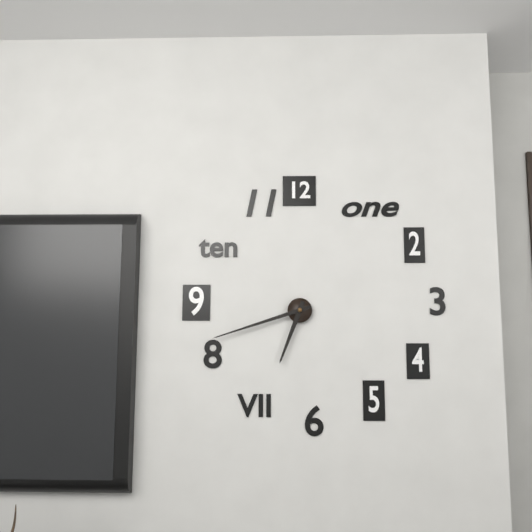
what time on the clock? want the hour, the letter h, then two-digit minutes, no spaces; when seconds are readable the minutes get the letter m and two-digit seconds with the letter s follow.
6h42
